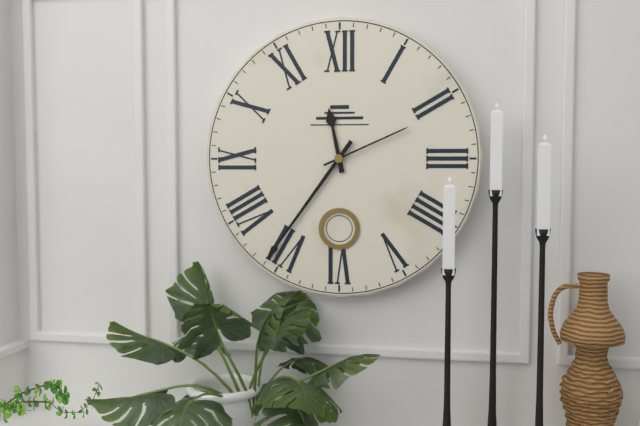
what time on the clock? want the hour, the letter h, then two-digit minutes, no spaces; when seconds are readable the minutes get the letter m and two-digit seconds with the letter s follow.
11h36m11s
